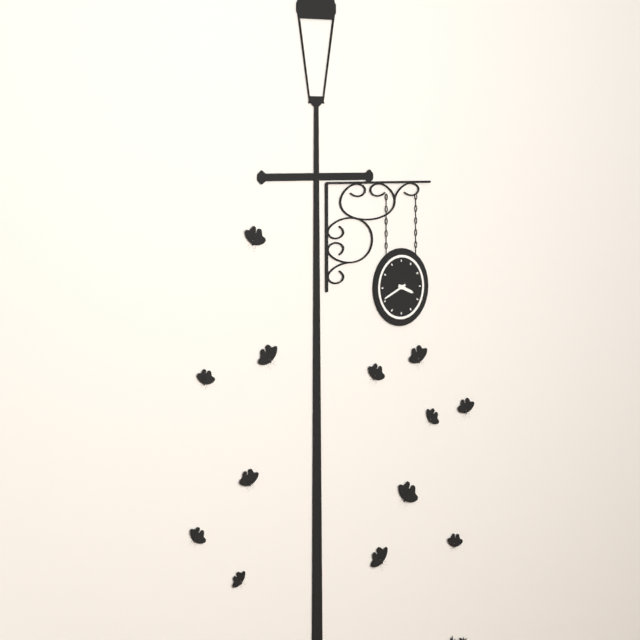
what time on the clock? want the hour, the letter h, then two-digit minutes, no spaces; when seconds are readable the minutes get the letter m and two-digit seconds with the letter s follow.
3h41
